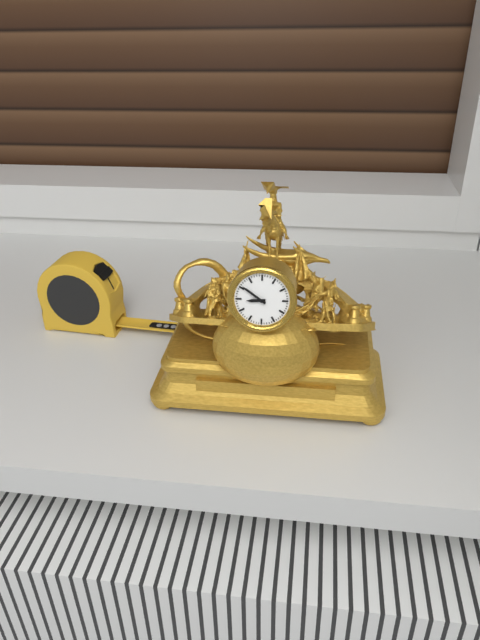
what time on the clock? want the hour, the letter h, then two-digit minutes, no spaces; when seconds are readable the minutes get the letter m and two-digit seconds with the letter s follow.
8h51
